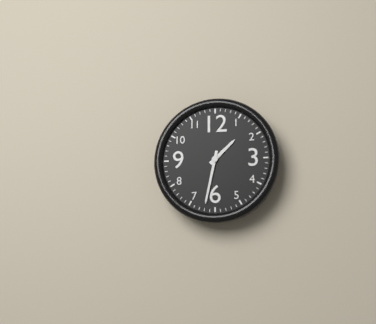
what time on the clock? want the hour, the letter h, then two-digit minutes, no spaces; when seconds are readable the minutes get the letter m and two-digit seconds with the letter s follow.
1h32
